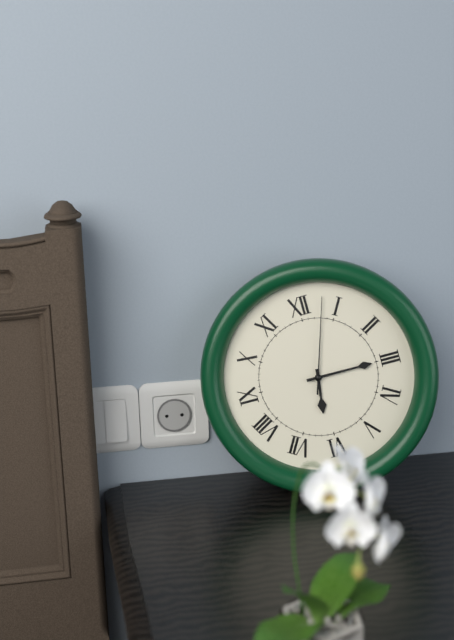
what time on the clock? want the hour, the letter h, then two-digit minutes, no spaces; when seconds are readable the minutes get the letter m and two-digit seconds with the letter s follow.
6h15m03s
